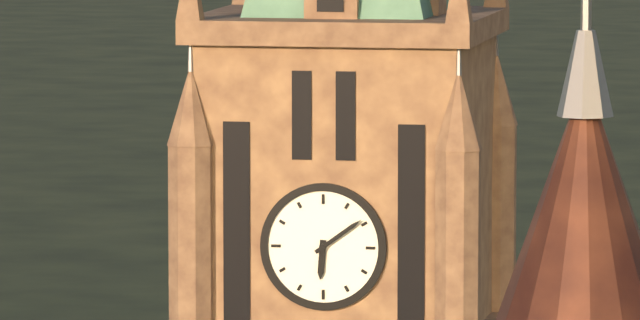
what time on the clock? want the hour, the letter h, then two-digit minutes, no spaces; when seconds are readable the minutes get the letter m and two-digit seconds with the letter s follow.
6h09
